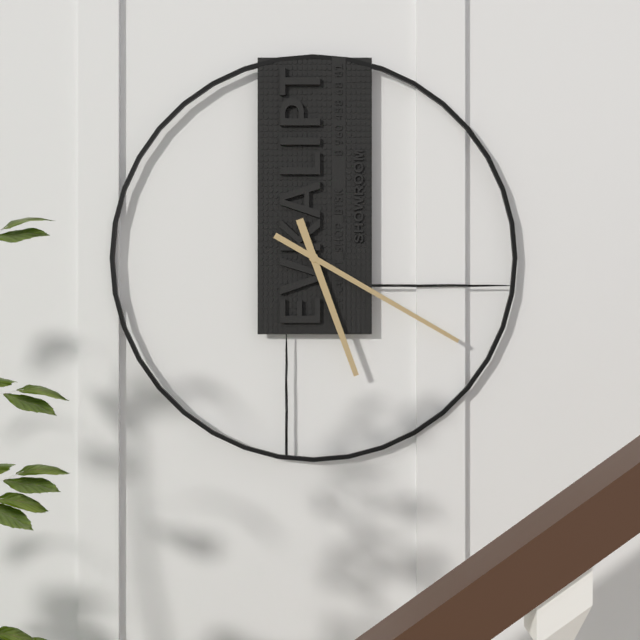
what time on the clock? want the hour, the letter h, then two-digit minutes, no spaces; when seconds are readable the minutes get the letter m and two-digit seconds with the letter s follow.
5h20
